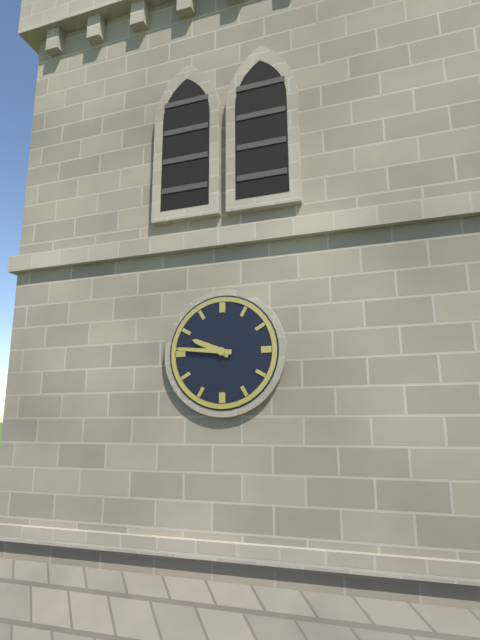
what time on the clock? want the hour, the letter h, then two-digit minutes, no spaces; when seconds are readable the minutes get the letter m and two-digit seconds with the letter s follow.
9h46
